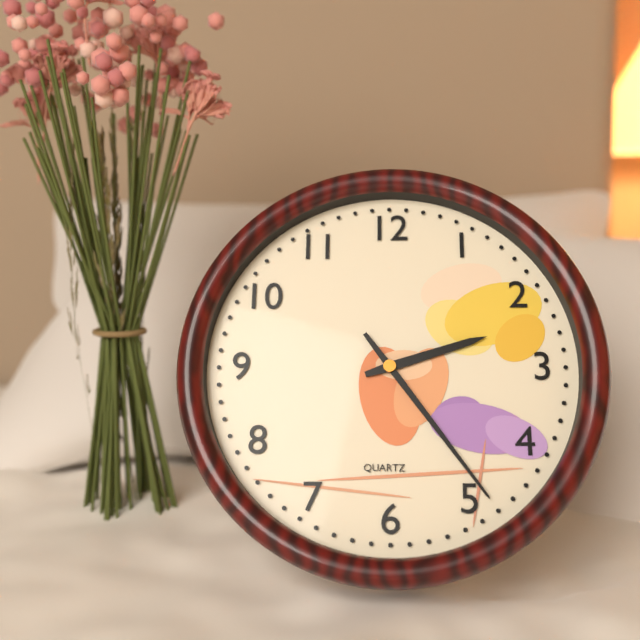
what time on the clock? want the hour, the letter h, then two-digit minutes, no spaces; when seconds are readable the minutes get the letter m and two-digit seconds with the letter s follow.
2h24
